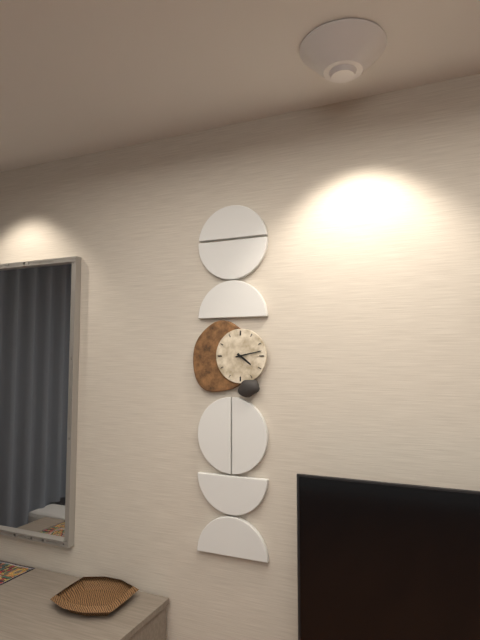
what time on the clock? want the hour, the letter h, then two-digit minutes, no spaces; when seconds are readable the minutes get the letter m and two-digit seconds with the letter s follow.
4h13
